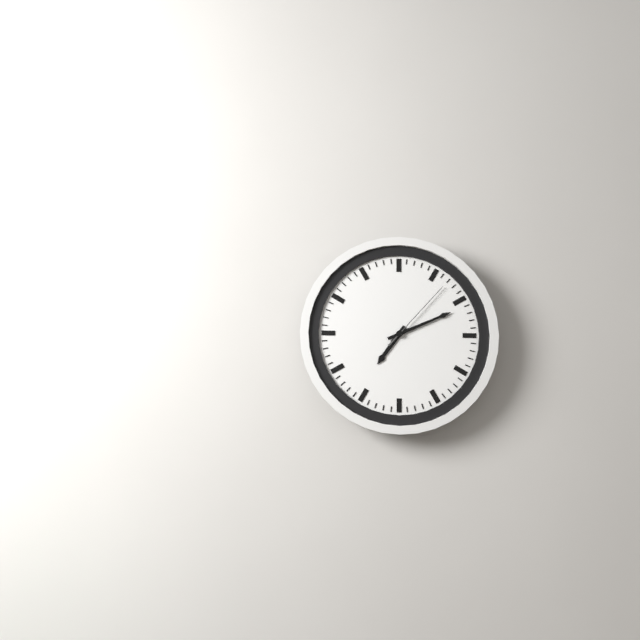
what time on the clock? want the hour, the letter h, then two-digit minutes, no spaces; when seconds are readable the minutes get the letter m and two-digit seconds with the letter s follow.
7h11m07s
